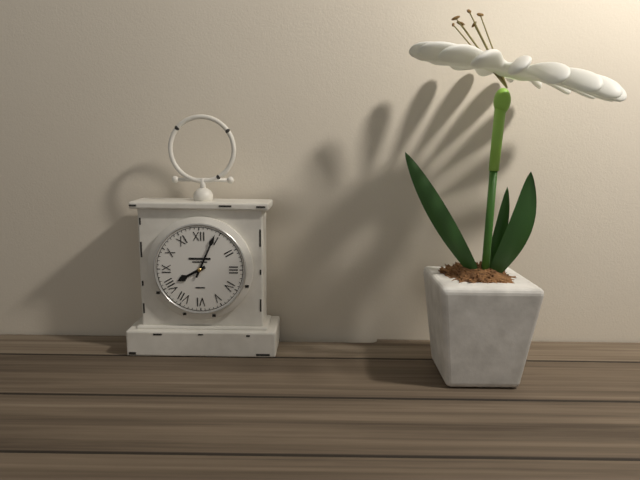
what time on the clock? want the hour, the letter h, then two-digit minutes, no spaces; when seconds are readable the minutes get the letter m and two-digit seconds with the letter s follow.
8h04
